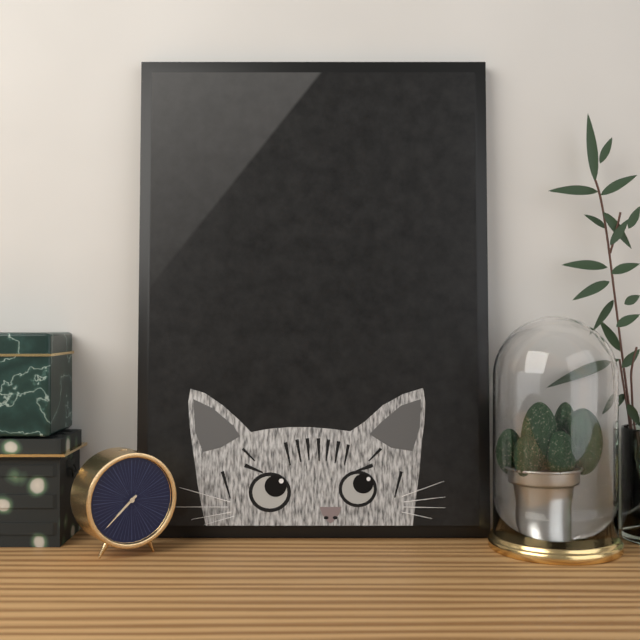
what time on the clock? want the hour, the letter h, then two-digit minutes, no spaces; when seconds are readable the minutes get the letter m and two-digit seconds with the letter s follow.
7h38
